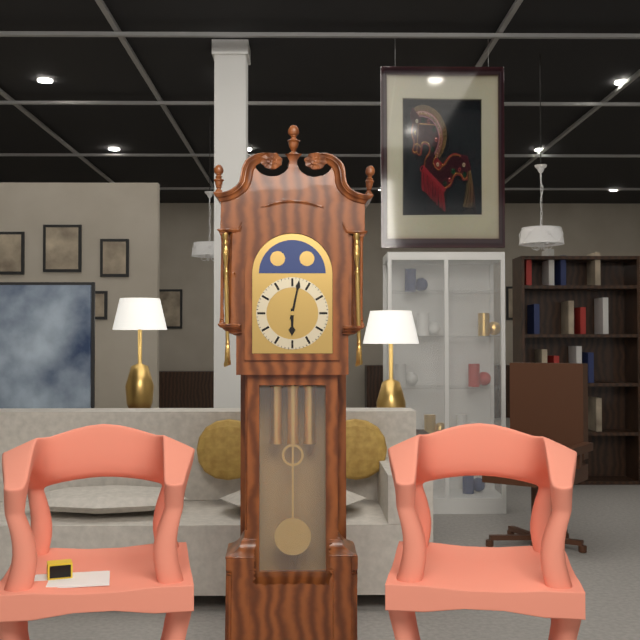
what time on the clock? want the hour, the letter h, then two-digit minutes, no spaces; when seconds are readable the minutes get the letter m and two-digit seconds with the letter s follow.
6h02
